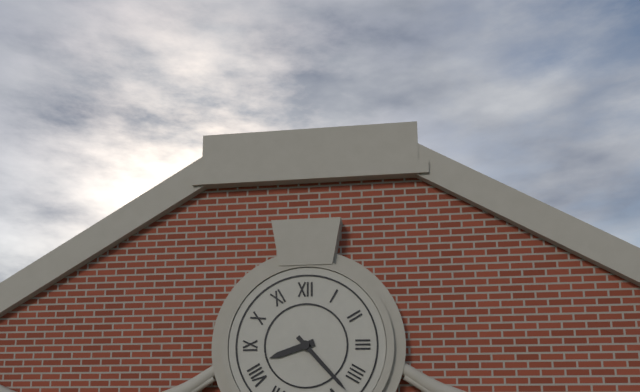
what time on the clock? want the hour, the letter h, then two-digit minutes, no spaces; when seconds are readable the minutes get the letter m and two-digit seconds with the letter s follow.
8h23
